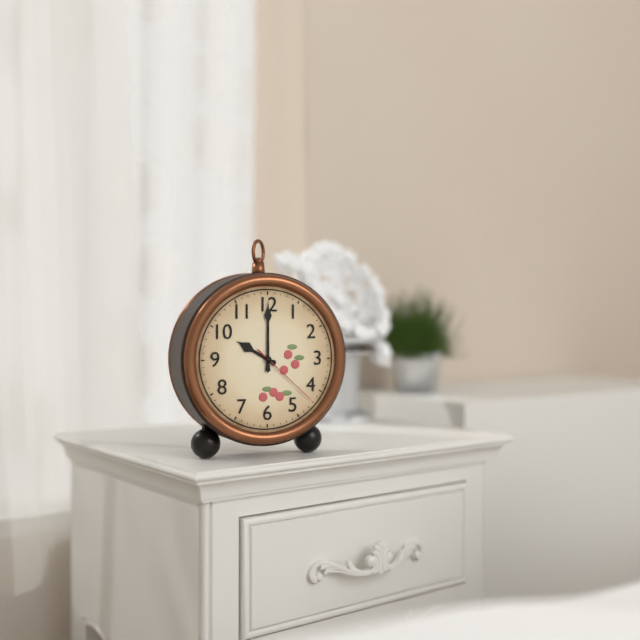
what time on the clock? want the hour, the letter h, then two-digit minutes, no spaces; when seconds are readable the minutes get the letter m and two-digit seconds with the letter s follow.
10h00m22s
